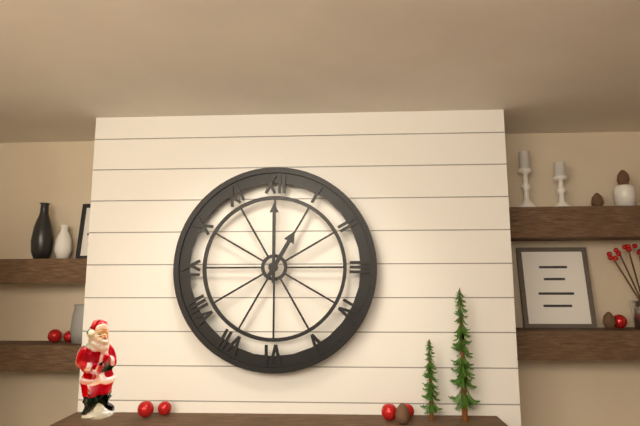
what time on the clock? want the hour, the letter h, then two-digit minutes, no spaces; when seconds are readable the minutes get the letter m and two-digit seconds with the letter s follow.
1h00
